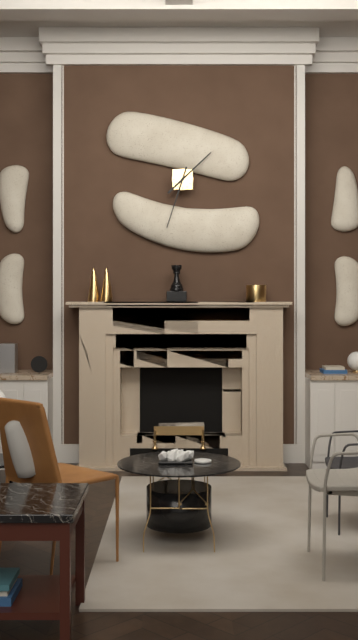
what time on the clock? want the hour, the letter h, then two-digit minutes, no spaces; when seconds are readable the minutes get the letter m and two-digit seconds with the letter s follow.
1h33
